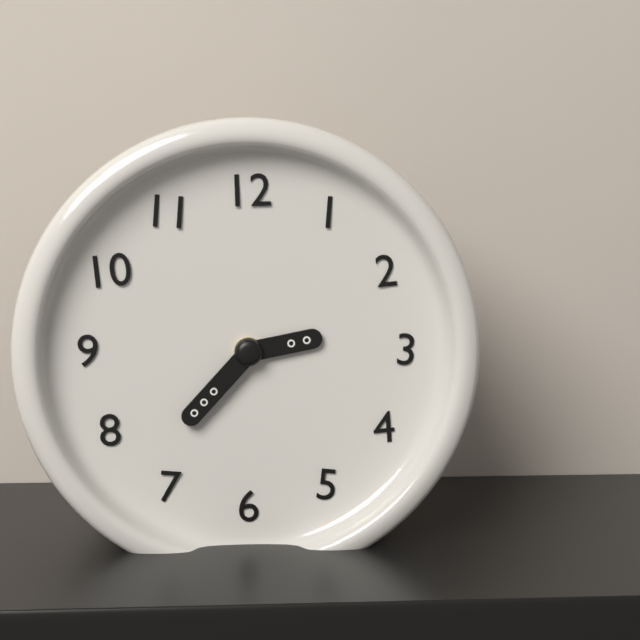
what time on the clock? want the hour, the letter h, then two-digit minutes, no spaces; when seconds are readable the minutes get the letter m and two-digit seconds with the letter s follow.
2h37
